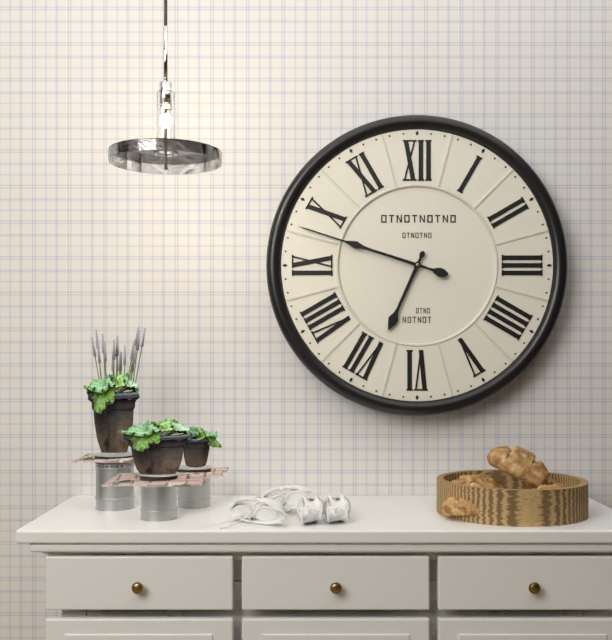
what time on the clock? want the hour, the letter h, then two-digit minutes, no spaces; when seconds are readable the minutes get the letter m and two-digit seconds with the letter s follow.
6h48
